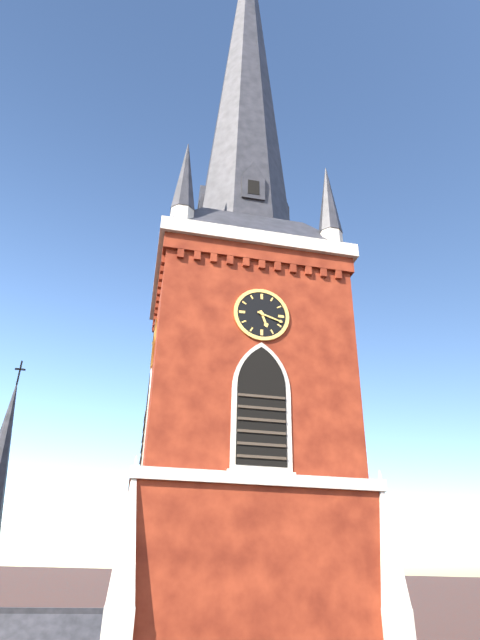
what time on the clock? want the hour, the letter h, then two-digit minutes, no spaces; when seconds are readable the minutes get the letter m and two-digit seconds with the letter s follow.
5h18
